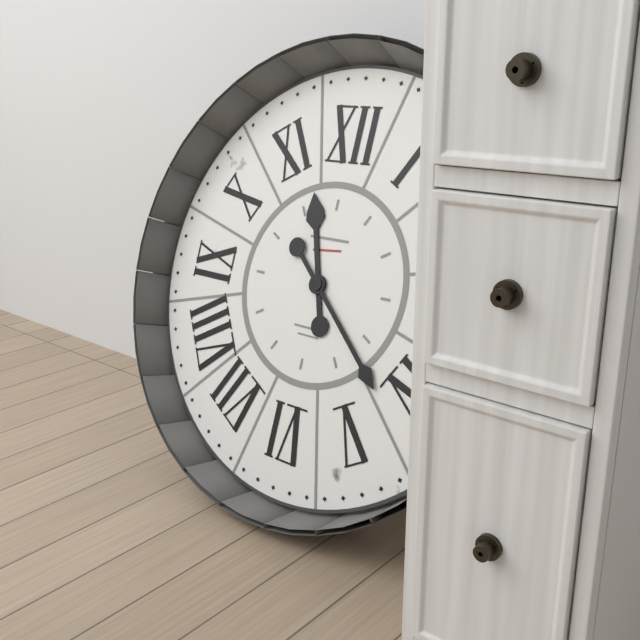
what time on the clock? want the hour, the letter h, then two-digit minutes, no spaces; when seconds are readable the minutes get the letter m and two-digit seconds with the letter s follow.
11h22
